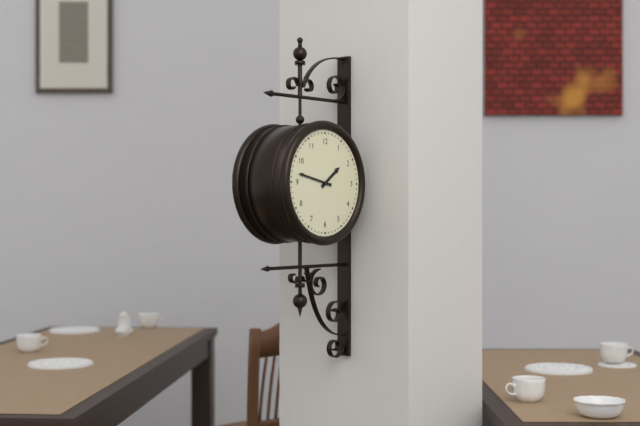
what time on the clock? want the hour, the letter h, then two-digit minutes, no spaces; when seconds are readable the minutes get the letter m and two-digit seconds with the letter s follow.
1h47
